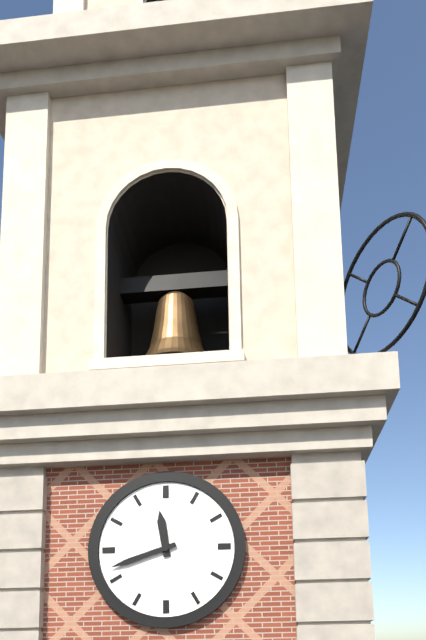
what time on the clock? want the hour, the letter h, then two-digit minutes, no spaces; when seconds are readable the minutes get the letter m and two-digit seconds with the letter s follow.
11h42
